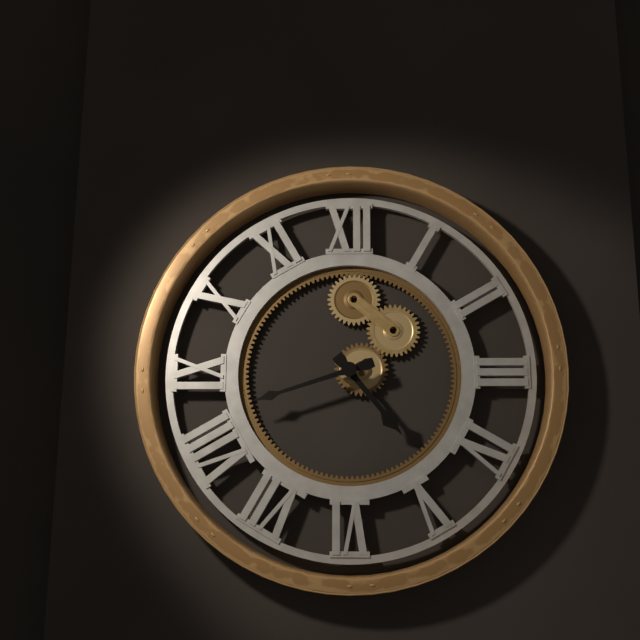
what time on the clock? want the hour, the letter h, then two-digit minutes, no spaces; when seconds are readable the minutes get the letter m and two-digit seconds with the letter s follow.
4h42
